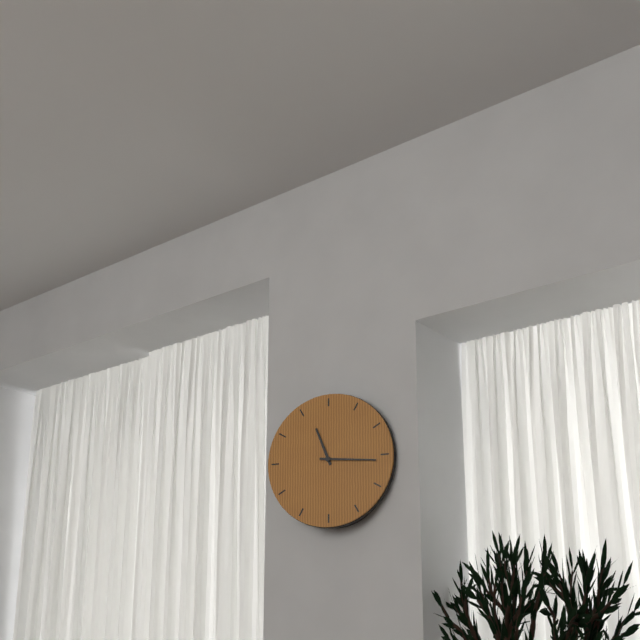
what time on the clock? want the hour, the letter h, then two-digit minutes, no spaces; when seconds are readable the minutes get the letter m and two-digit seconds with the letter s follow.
11h16
